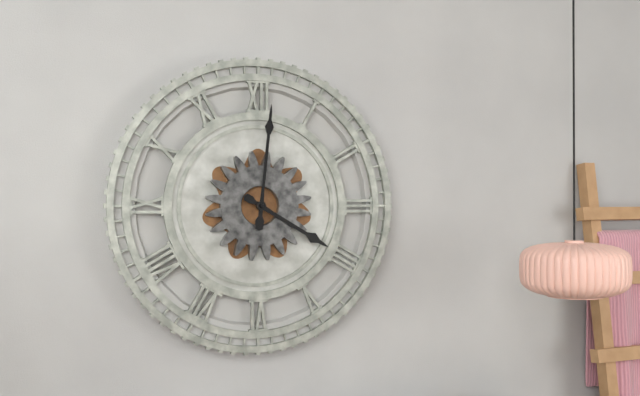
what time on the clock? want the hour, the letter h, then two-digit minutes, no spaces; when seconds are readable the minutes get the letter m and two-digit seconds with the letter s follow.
4h01
